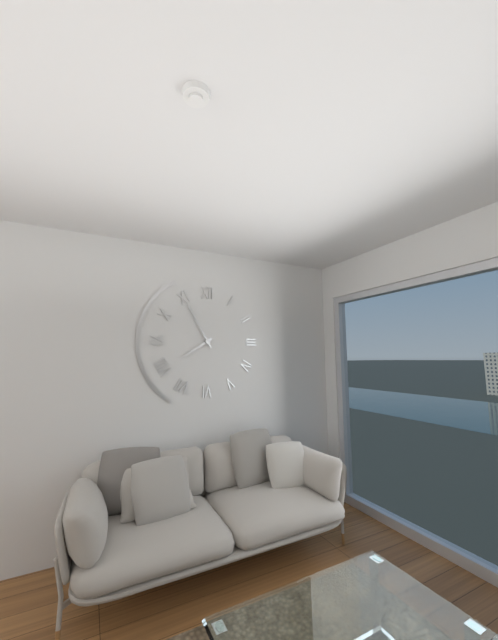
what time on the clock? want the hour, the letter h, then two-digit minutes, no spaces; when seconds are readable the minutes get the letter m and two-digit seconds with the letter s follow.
7h55
